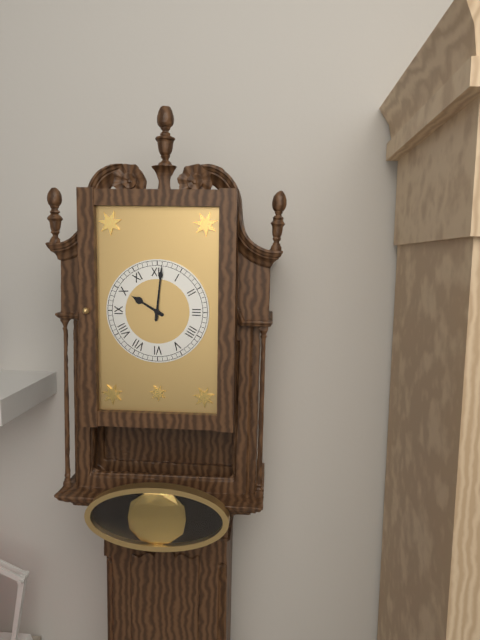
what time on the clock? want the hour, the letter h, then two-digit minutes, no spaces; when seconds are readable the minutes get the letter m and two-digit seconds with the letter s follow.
10h01
